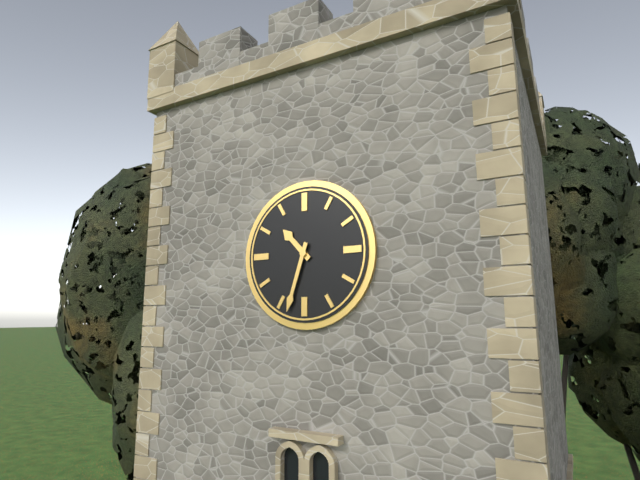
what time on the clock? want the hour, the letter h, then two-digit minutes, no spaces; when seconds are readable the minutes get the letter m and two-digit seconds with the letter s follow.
10h33
